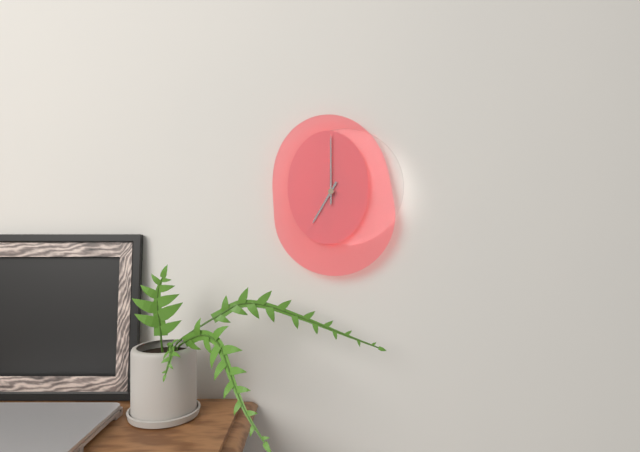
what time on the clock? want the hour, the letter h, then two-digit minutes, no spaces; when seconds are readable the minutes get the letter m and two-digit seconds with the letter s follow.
7h00m00s
